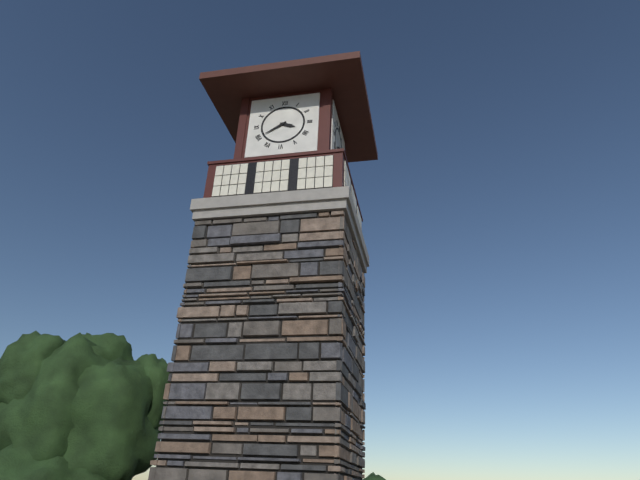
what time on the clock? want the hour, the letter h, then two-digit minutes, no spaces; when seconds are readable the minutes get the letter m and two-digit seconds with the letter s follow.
3h40
